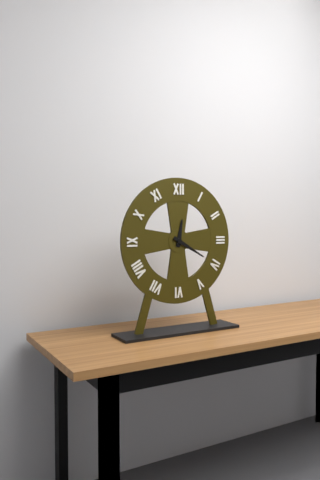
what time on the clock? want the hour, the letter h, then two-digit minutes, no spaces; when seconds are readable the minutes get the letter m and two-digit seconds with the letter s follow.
12h20
